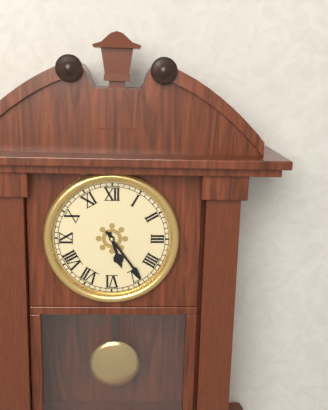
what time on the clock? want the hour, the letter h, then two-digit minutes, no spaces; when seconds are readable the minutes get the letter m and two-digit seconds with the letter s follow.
5h24
